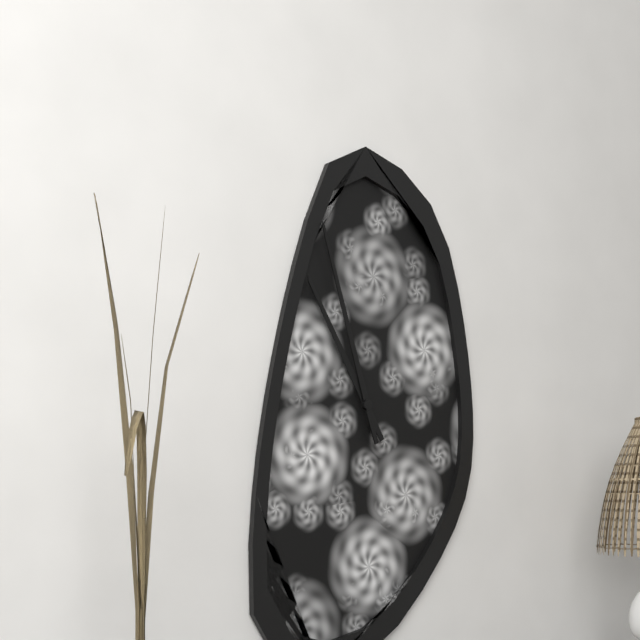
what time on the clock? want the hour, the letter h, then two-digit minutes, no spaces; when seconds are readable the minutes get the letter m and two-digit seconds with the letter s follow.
10h57
